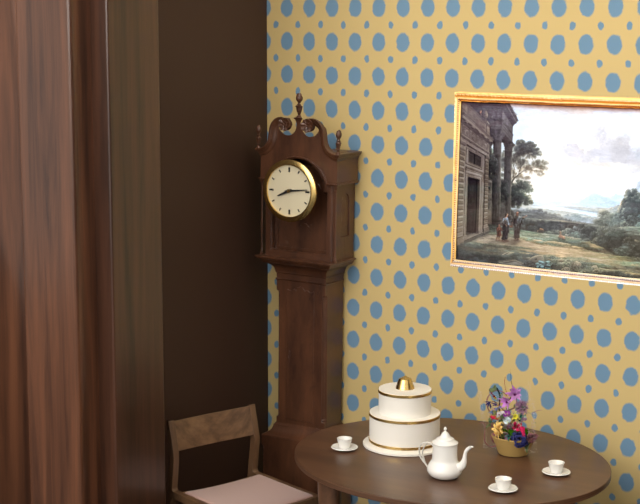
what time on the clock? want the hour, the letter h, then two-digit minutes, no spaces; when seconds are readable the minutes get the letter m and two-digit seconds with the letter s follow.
8h14
